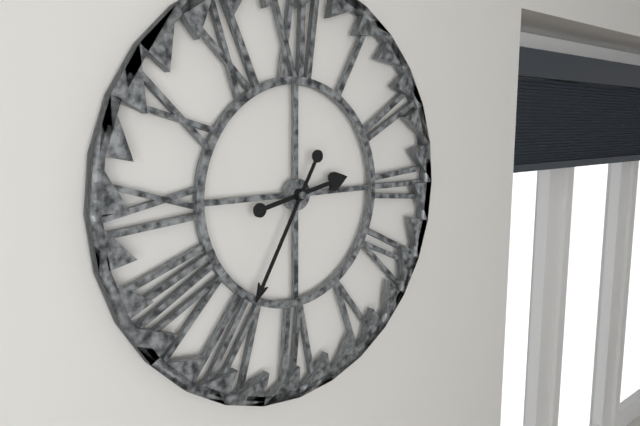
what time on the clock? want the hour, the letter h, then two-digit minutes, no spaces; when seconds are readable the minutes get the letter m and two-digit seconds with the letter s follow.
2h35
